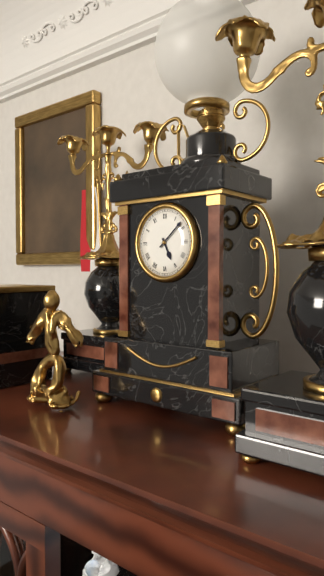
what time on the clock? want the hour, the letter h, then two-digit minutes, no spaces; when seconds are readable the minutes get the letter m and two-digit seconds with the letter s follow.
5h08
